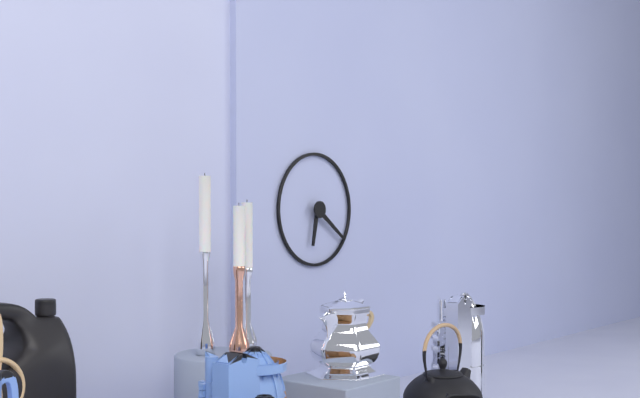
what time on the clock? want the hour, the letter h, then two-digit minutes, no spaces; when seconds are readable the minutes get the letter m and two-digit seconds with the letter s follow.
6h21
